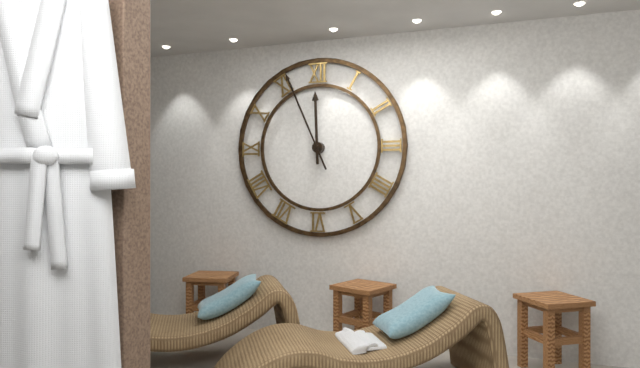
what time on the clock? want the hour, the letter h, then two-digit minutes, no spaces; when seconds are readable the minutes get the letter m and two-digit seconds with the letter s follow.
11h56
